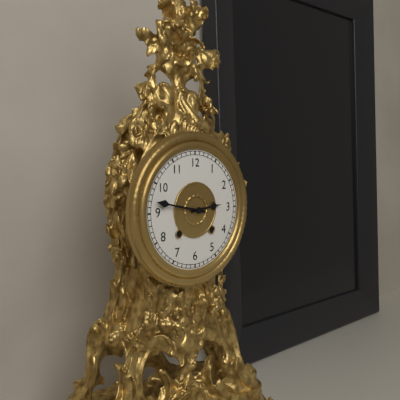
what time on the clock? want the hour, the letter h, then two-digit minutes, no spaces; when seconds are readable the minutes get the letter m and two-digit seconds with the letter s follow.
2h47
